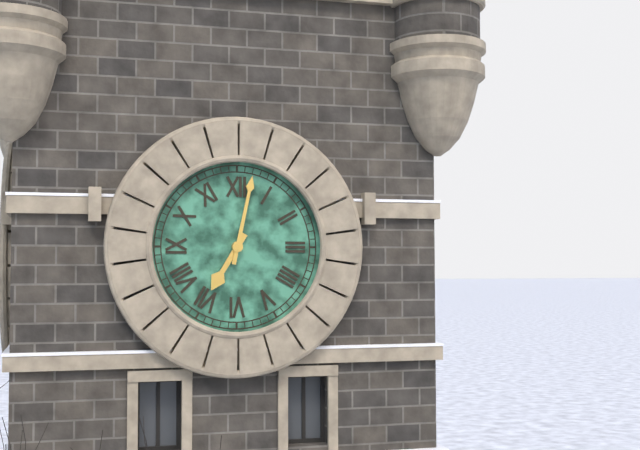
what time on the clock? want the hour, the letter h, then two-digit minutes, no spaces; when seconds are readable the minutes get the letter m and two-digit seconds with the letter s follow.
7h02
